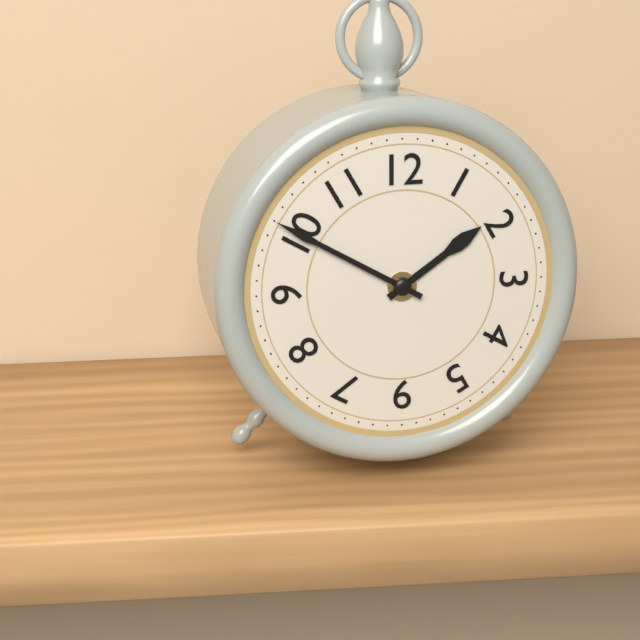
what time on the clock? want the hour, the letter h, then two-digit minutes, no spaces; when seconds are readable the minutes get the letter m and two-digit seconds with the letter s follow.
1h50
